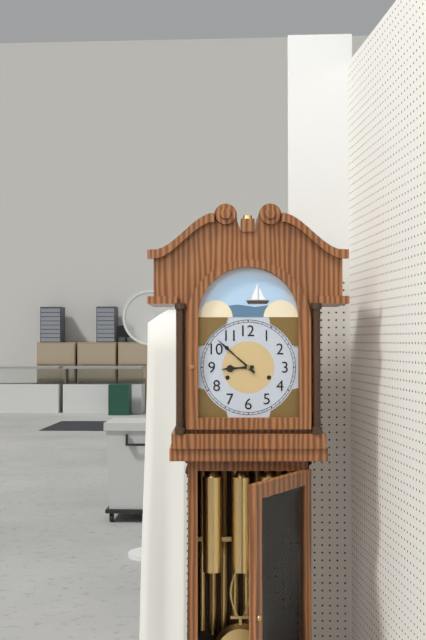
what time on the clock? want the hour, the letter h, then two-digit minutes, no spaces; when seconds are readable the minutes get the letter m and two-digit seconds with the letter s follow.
8h52
